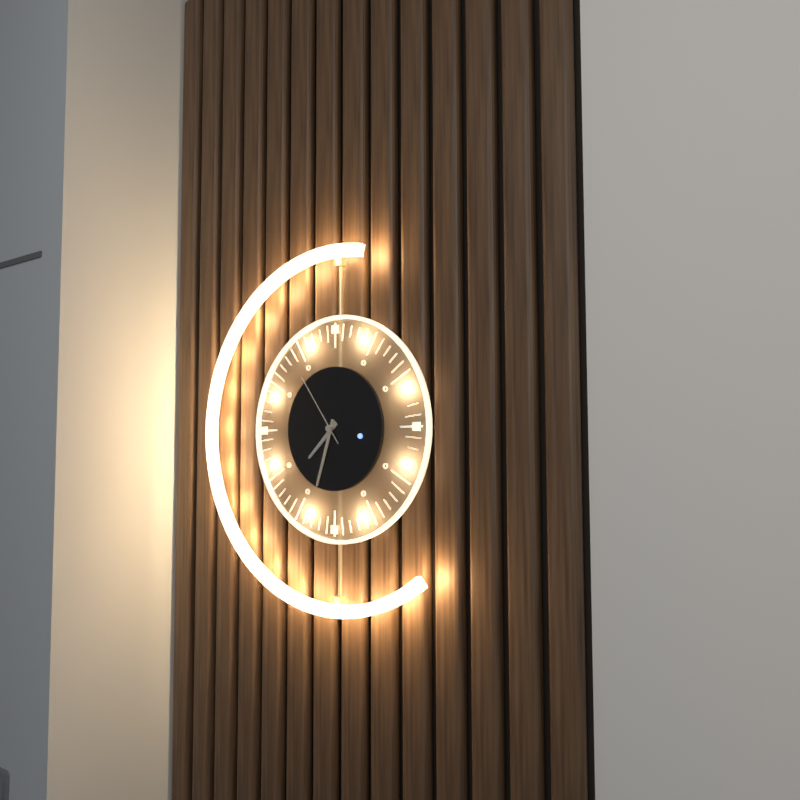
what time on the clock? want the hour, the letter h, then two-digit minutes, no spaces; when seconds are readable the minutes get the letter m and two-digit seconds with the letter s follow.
7h33m54s
